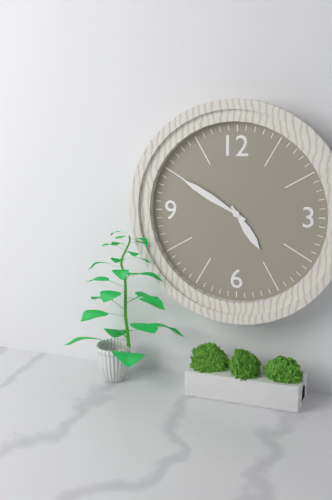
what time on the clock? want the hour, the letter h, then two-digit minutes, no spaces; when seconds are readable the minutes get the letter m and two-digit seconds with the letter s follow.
4h50
